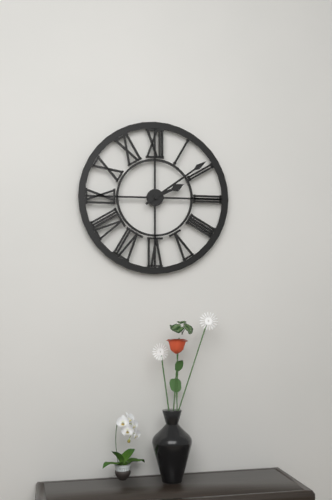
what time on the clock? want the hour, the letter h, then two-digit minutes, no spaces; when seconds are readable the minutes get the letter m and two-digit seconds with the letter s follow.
2h09
